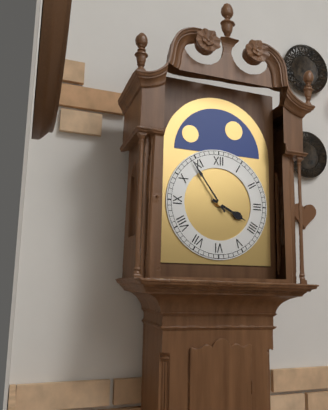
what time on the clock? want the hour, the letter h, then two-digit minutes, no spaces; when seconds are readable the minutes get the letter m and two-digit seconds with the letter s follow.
3h54
